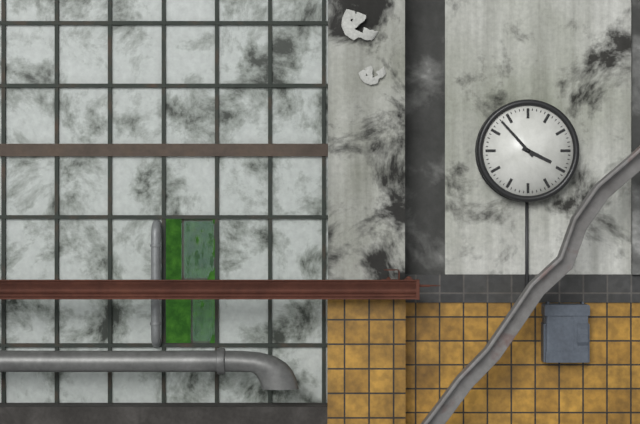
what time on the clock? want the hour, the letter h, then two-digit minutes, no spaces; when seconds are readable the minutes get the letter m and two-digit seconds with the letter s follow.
3h53
